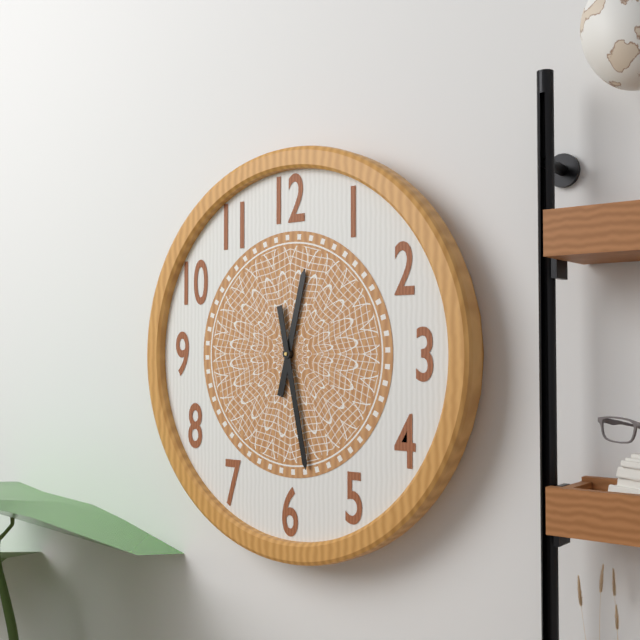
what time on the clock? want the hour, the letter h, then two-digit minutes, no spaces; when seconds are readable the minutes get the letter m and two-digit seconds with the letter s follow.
12h28
